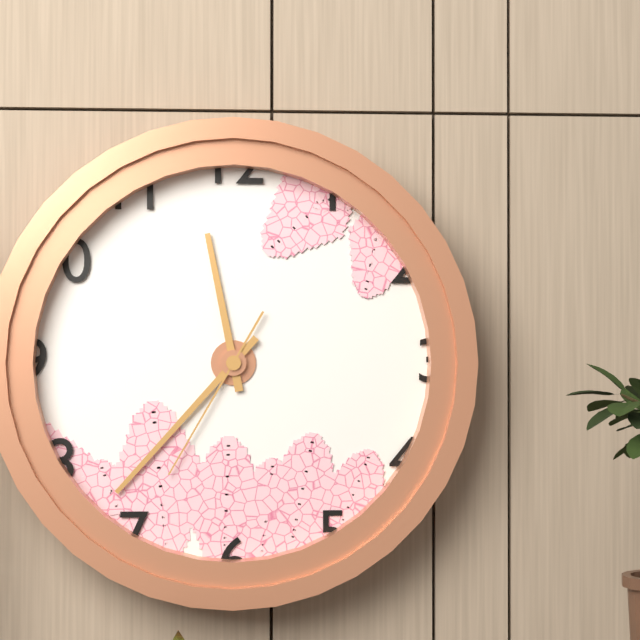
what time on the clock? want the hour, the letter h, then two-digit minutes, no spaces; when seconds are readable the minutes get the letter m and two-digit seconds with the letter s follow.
11h37m35s
